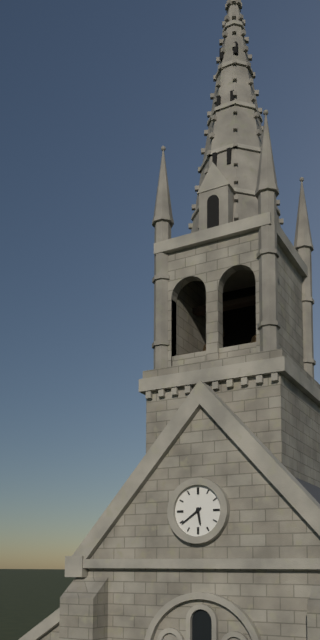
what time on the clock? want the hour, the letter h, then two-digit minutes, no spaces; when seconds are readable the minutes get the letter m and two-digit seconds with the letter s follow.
5h39
